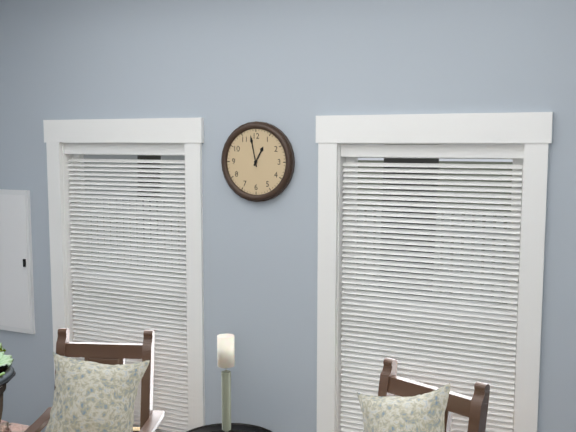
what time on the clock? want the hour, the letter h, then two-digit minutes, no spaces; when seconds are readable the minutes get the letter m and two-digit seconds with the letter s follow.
12h58
